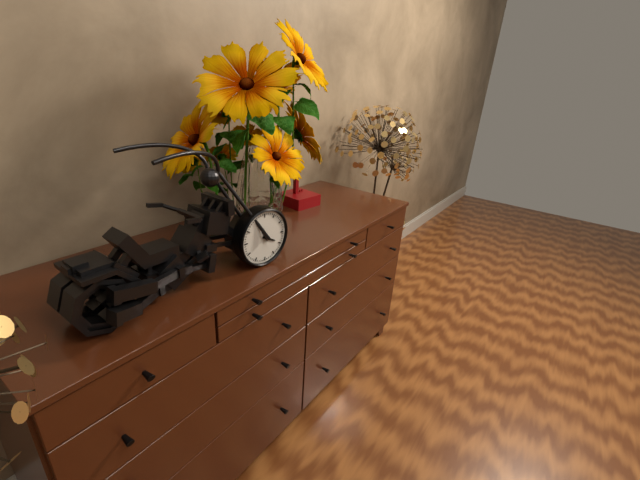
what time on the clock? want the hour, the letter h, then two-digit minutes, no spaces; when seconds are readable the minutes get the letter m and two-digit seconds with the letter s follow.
3h55
